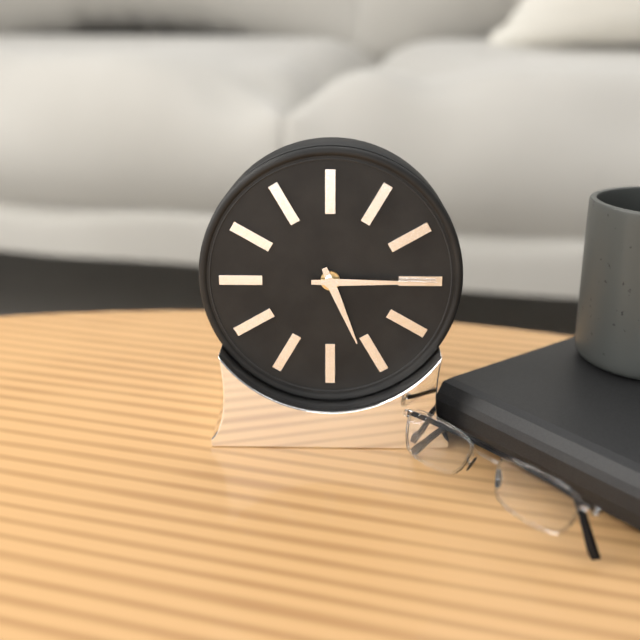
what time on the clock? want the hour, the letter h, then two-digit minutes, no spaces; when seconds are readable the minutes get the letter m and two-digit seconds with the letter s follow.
5h15
